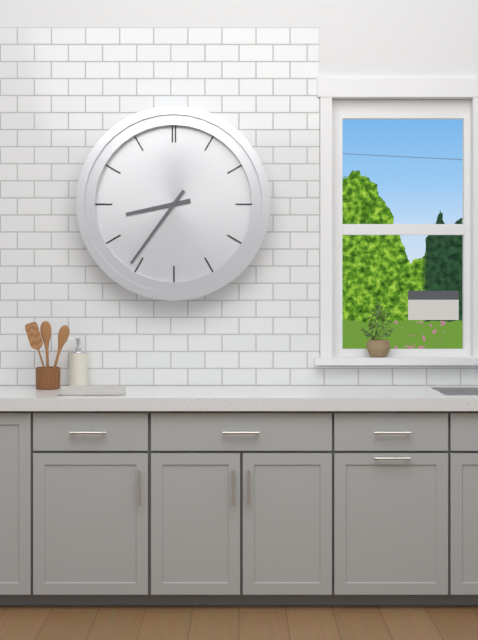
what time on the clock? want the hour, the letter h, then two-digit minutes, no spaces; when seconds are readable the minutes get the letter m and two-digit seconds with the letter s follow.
8h36
